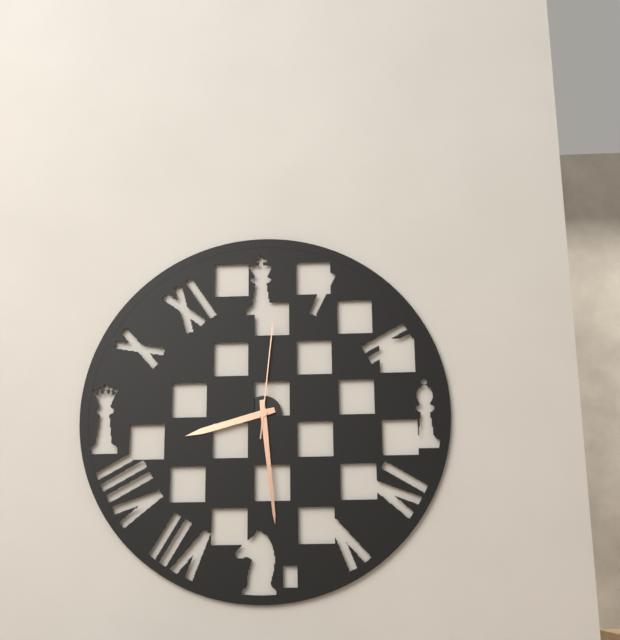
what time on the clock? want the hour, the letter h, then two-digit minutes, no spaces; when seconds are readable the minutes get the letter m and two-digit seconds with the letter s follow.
8h29m01s
